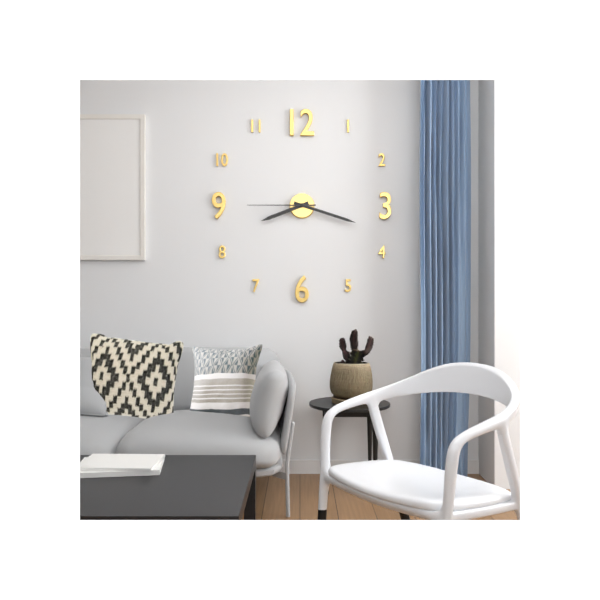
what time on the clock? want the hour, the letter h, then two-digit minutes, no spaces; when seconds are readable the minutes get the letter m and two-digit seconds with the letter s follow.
8h18m45s
